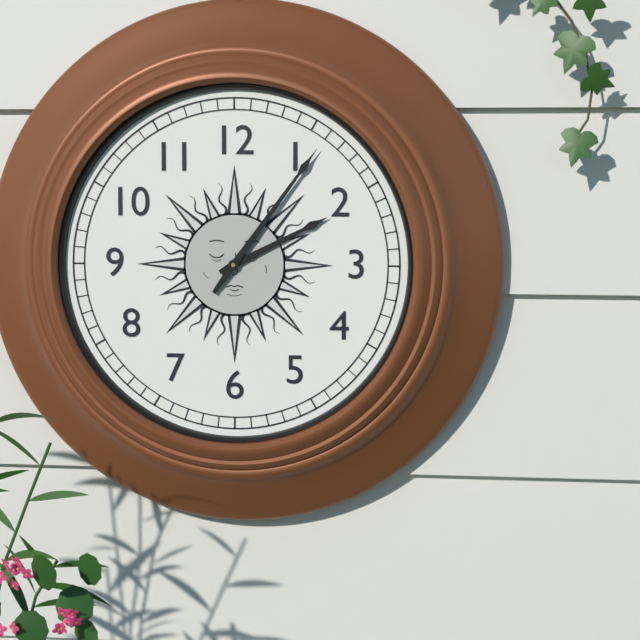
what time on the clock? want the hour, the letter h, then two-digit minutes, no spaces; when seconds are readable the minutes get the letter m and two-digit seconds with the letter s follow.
2h06
